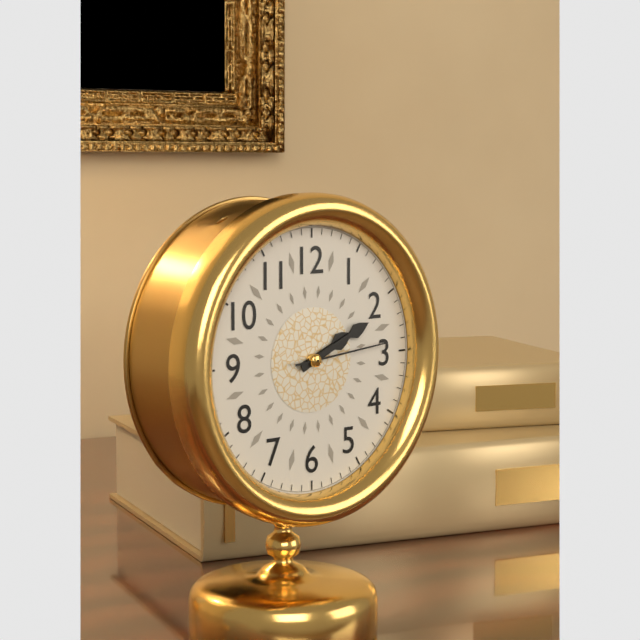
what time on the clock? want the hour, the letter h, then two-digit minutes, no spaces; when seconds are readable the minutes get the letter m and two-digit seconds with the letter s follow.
2h11m14s
